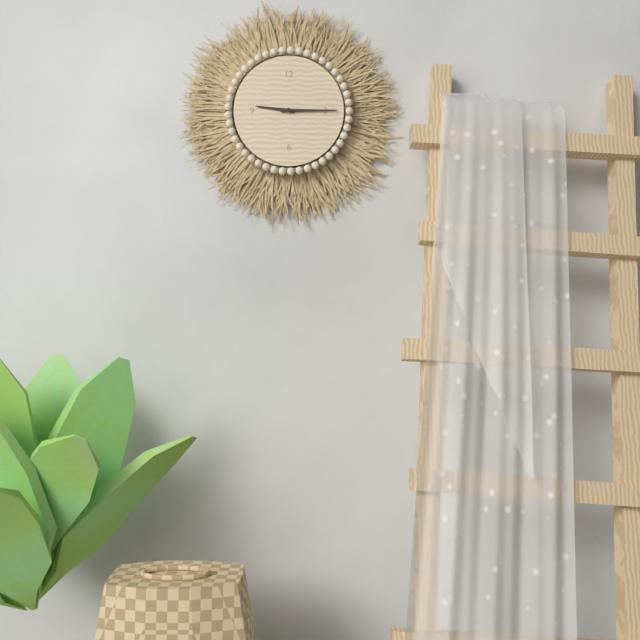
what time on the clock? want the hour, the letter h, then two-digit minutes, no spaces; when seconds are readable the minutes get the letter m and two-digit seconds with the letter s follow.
9h15
